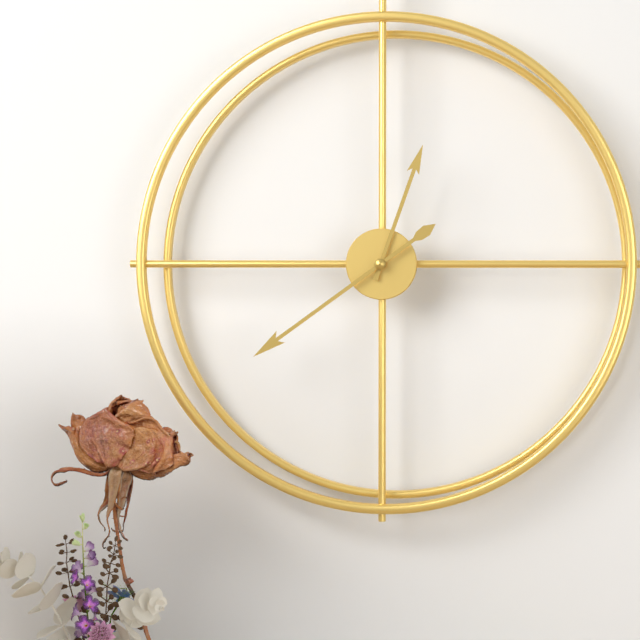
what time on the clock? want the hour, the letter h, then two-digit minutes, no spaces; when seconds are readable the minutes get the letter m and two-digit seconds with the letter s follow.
12h39
